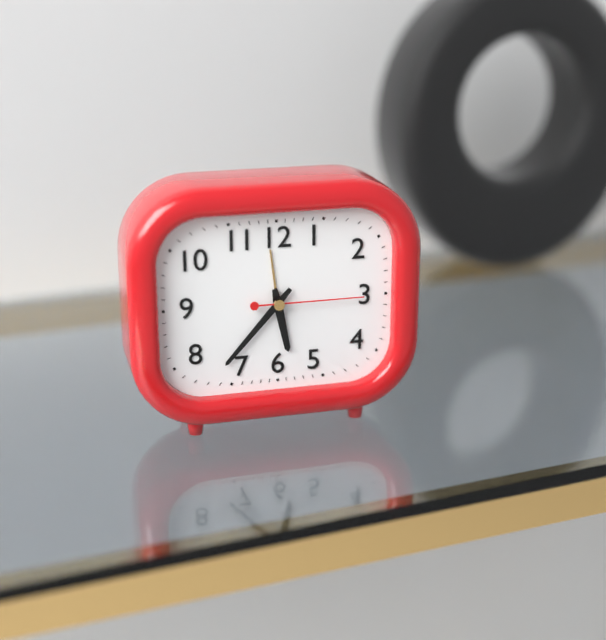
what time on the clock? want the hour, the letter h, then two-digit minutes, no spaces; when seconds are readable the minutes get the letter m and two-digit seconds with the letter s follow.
5h37m15s
